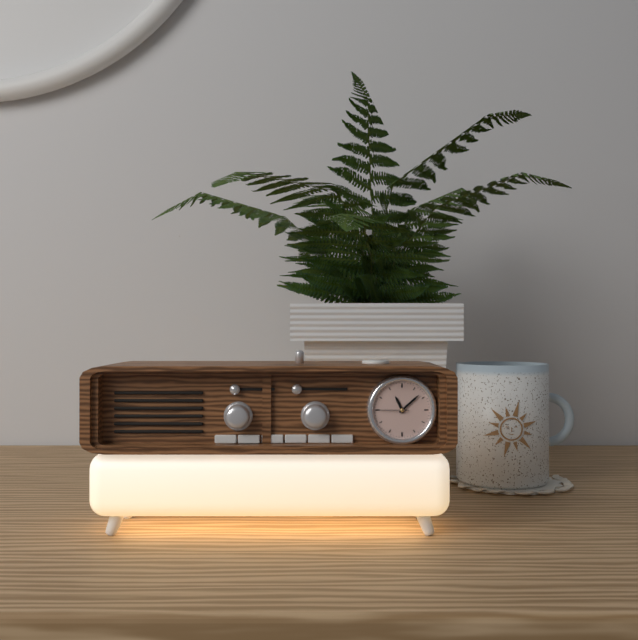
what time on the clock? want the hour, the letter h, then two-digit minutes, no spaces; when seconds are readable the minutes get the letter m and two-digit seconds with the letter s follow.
11h08
